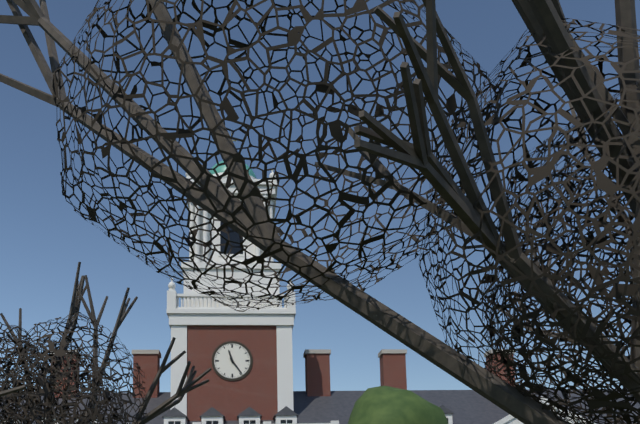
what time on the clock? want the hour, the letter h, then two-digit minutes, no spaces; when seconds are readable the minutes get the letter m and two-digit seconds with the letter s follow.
11h24
